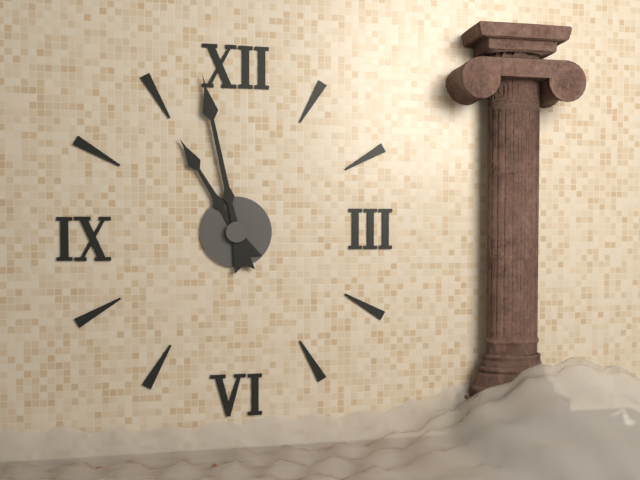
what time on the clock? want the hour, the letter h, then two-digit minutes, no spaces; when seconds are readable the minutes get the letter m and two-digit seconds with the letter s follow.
10h58
